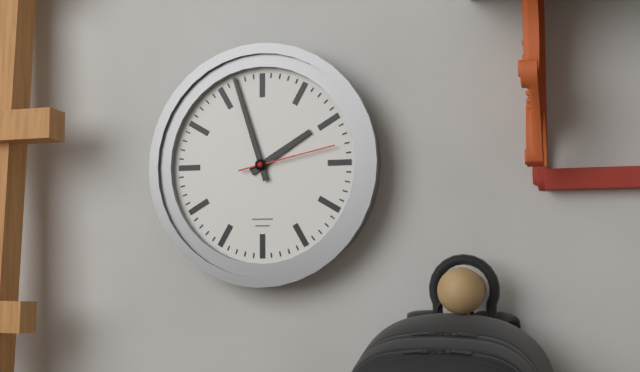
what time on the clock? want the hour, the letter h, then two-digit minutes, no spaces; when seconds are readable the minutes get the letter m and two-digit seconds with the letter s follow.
1h57m13s
